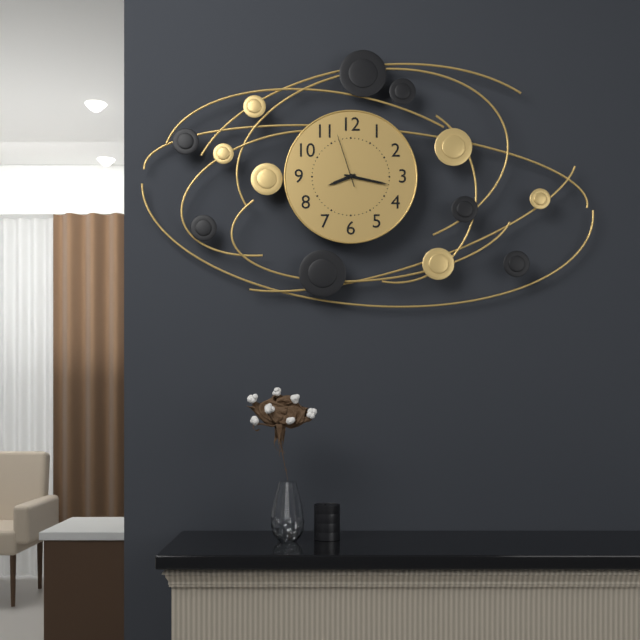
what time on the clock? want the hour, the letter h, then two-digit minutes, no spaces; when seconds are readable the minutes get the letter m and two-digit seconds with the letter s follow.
8h17m57s
